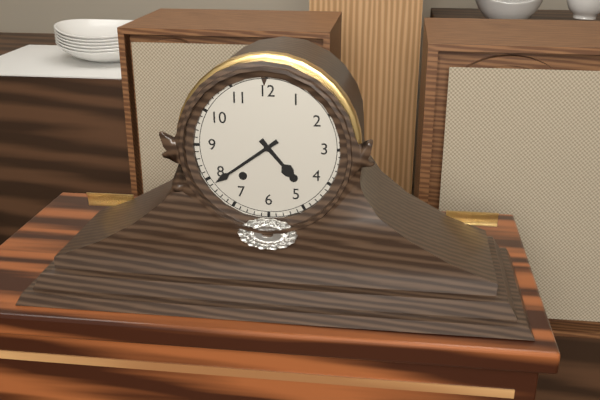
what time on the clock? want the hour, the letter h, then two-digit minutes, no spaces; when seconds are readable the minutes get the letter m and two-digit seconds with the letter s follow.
4h39
